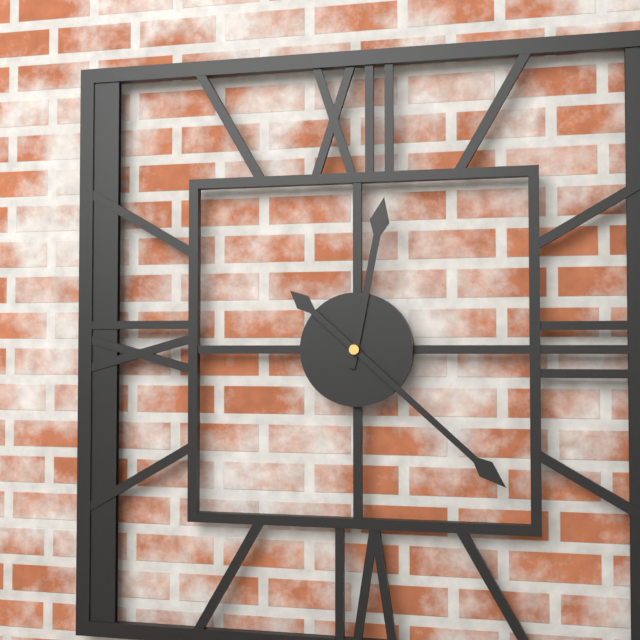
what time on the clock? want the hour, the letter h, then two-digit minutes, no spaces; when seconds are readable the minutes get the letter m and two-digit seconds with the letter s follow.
12h22
